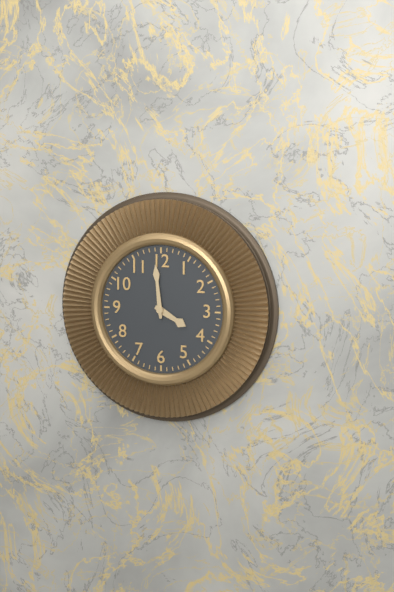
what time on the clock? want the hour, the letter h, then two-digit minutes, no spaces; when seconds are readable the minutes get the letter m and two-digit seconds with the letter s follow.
3h59
